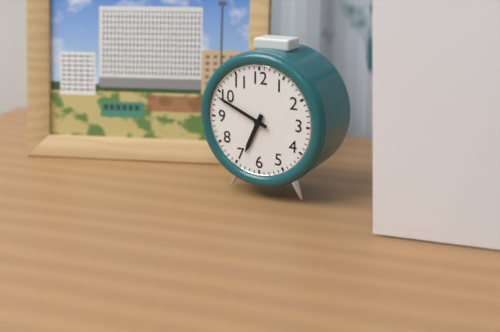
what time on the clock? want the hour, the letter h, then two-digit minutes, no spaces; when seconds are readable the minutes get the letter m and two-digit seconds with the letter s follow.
6h49
